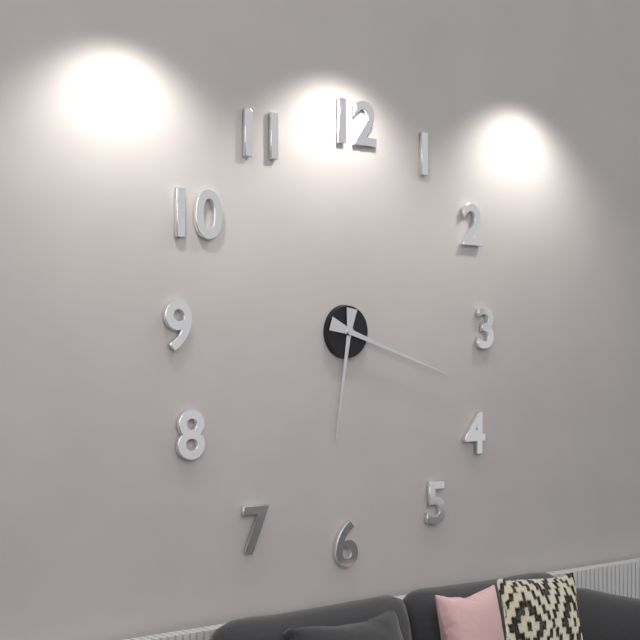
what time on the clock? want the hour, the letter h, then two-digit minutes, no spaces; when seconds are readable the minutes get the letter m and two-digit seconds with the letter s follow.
6h18
